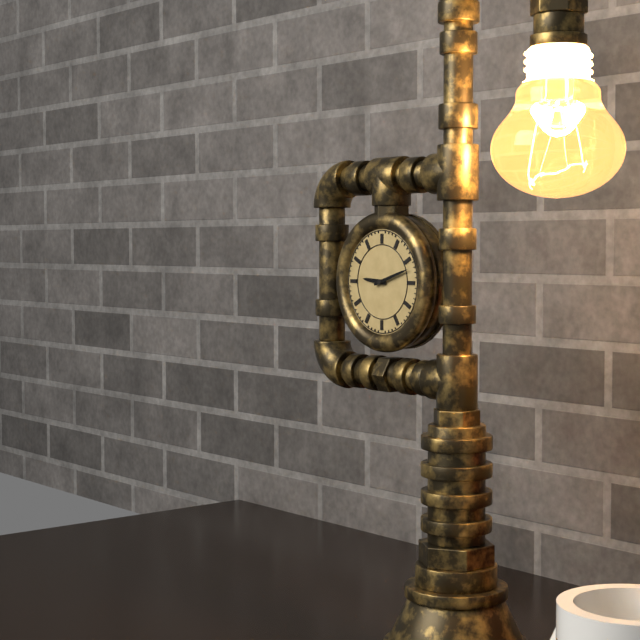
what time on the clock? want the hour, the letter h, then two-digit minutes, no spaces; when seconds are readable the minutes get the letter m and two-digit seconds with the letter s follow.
9h12
